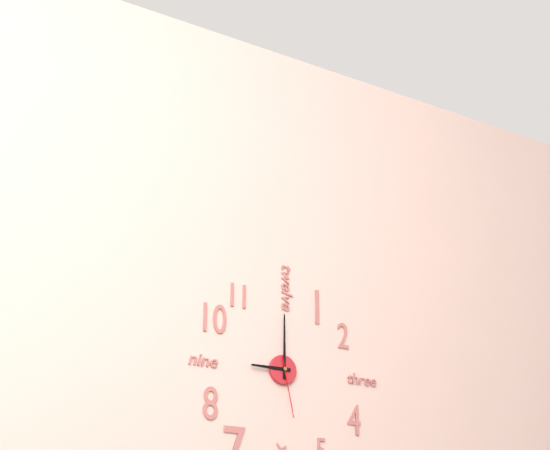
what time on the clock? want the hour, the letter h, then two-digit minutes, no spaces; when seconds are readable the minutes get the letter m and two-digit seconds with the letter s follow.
9h00m28s
